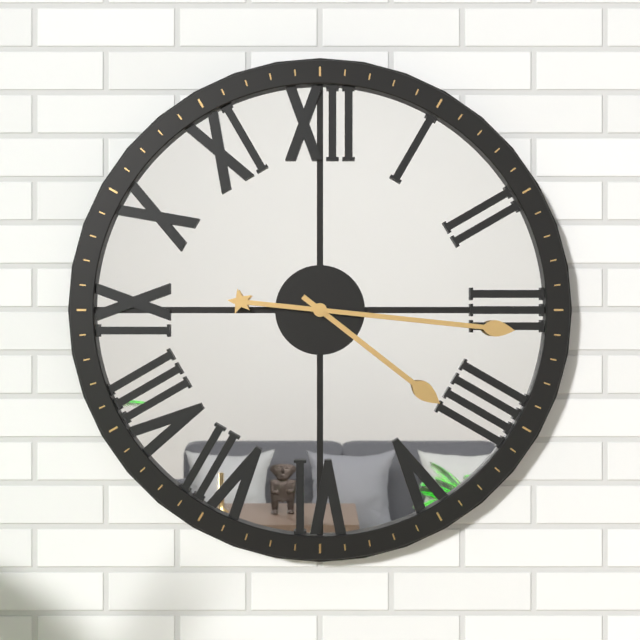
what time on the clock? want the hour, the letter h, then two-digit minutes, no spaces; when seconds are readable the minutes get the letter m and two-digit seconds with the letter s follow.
4h16
